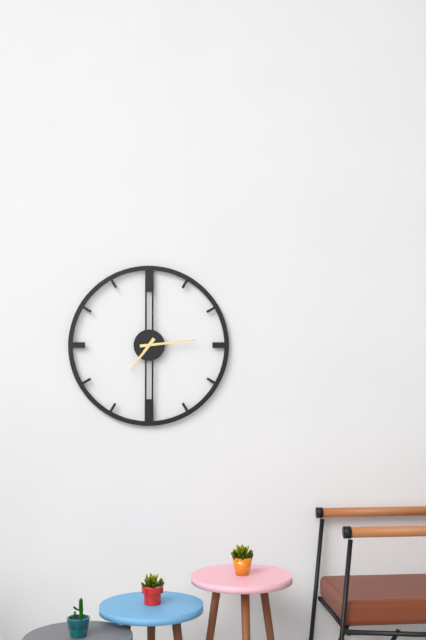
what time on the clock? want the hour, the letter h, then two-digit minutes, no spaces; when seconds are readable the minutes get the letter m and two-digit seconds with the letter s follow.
7h14
